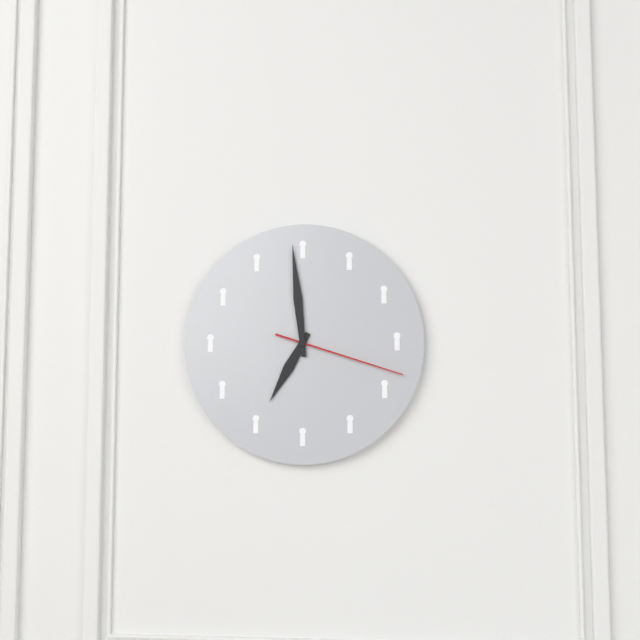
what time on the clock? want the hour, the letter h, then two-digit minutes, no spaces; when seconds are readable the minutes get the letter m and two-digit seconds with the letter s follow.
6h59m18s
